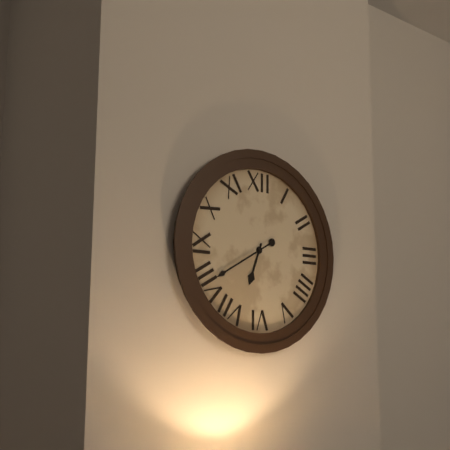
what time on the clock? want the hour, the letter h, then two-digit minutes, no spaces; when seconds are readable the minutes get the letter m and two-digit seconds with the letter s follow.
6h40
